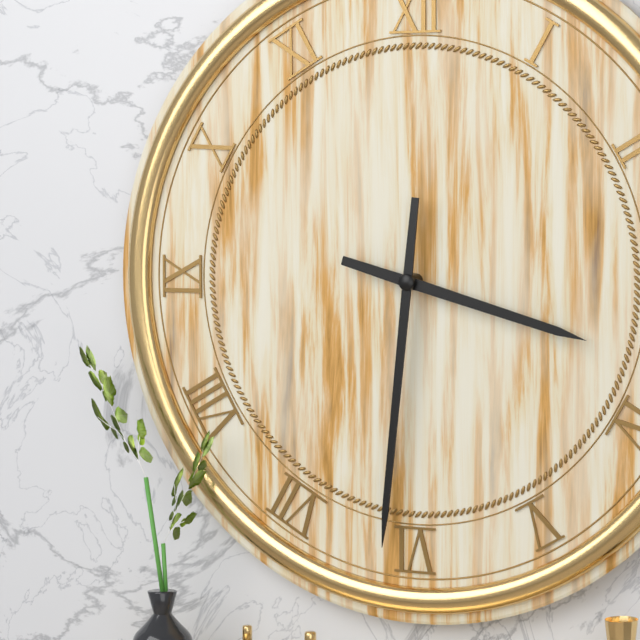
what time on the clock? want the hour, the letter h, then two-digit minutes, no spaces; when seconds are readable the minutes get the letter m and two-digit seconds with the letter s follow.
3h31
